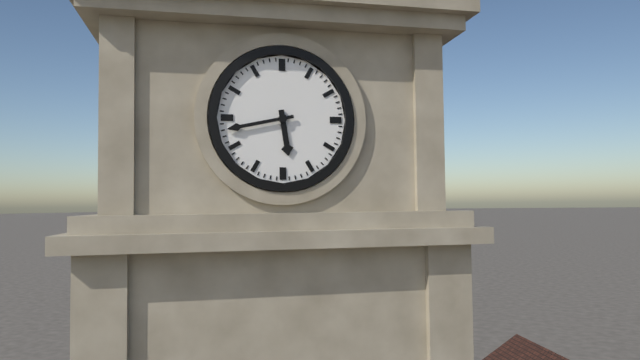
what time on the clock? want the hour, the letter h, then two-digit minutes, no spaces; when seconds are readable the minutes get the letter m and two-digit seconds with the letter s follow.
5h43
